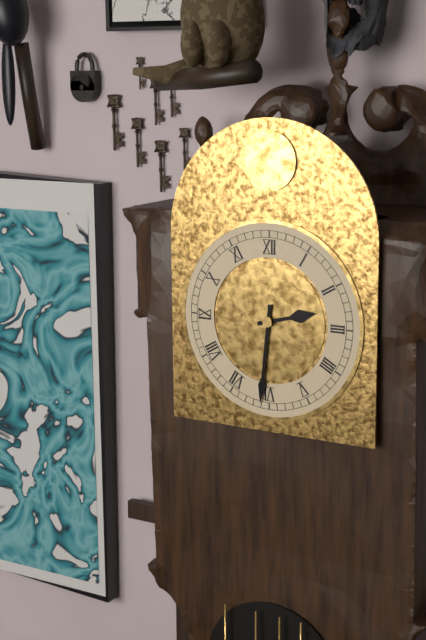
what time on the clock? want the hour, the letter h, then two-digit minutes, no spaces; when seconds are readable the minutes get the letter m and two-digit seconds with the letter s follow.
2h31
